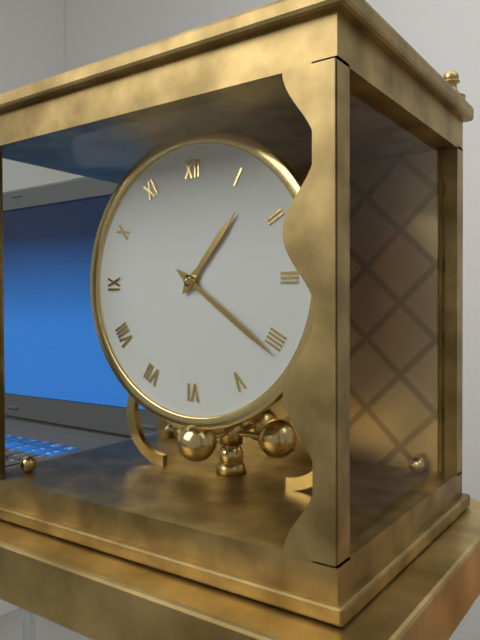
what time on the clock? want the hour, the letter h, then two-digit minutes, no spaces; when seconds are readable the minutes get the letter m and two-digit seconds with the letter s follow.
1h21
